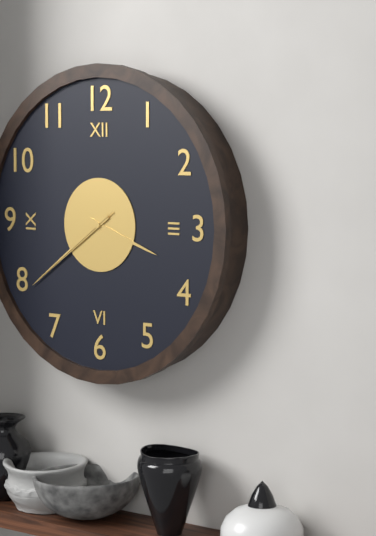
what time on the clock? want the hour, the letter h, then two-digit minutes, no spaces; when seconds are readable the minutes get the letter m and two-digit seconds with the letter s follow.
3h39m39s
